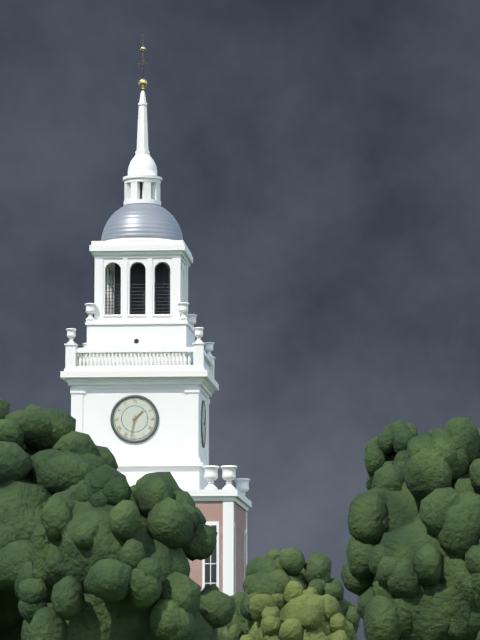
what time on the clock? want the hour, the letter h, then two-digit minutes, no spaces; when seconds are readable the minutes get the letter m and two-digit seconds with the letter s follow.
1h32
